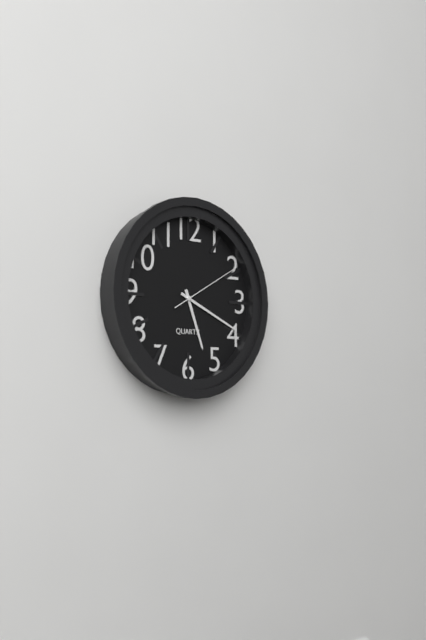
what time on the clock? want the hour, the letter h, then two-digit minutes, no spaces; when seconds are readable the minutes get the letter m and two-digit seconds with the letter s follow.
5h19m10s
